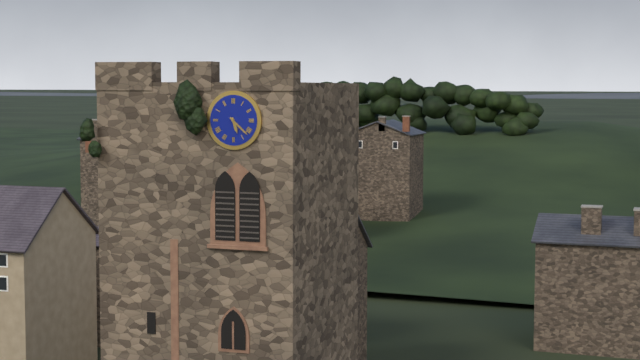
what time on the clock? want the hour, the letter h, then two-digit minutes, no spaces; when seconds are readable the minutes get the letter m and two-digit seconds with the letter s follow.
5h22
